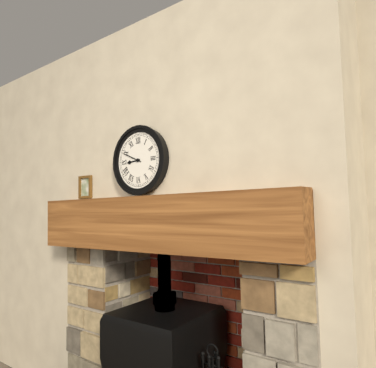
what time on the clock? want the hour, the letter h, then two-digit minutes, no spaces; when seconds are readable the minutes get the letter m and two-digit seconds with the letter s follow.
8h49
